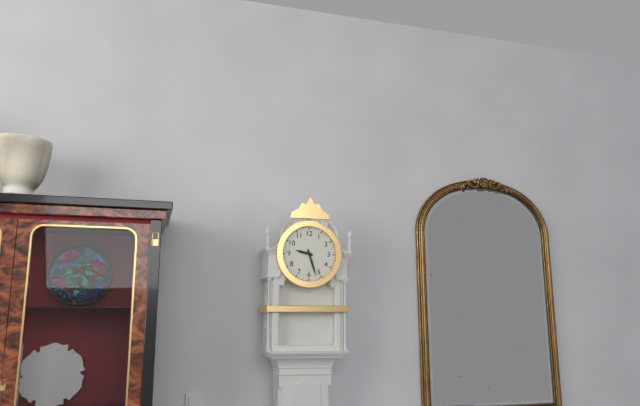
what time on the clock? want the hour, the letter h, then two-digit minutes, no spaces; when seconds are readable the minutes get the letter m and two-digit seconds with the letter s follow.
9h27
